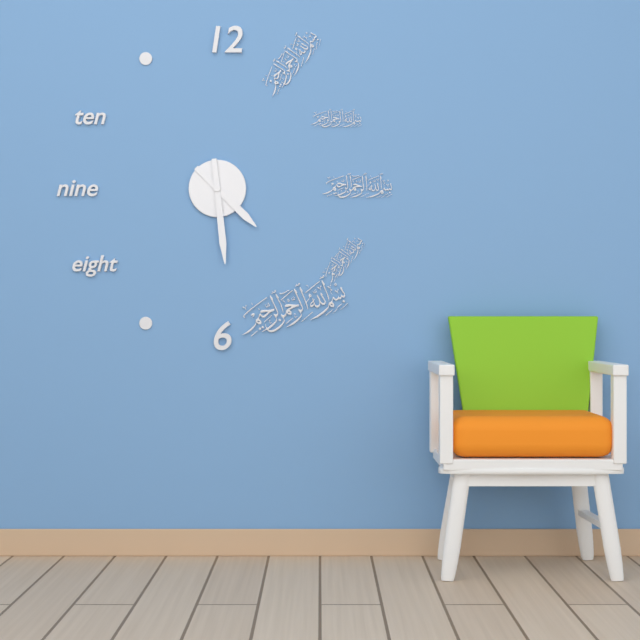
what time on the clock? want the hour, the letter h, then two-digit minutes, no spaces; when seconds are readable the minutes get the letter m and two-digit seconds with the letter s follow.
4h29
